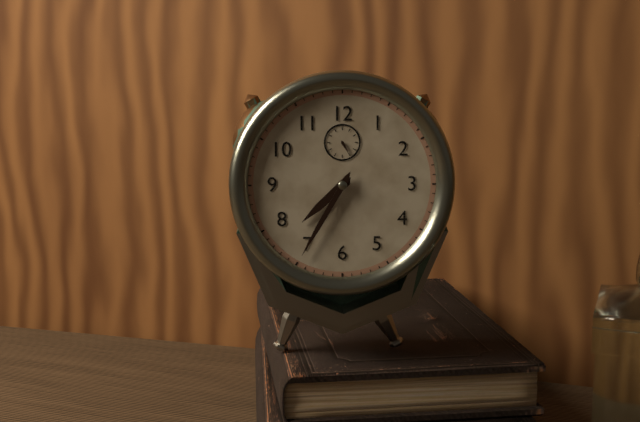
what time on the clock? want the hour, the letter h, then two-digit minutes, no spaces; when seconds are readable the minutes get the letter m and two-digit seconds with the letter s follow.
7h35
